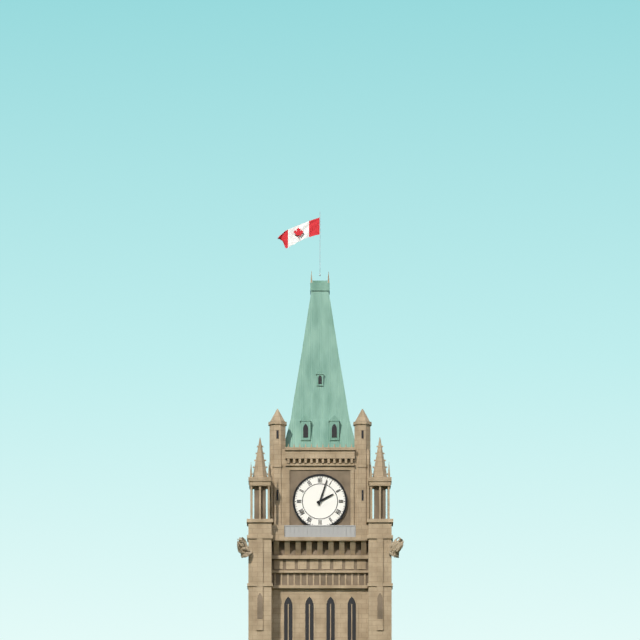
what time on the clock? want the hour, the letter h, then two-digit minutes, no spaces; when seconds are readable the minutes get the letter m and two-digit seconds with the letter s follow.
2h03
